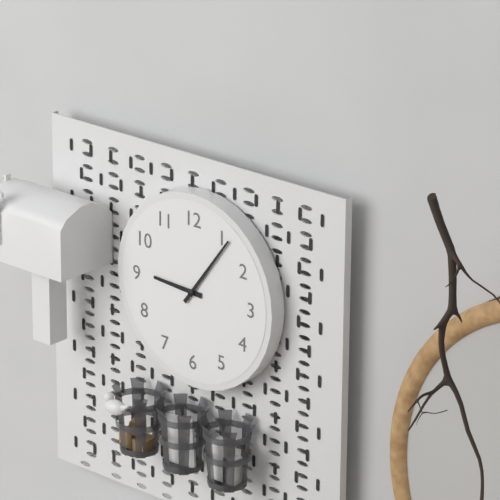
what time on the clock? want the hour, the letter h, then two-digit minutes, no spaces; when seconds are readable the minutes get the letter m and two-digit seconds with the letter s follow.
9h06
